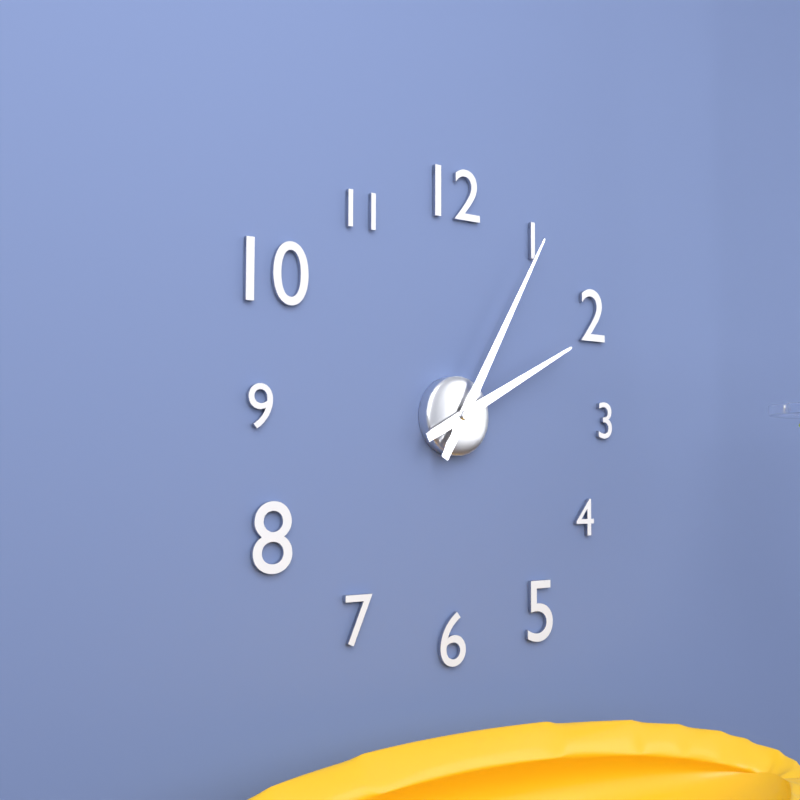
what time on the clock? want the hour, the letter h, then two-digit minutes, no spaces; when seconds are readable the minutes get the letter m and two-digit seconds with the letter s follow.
2h05
